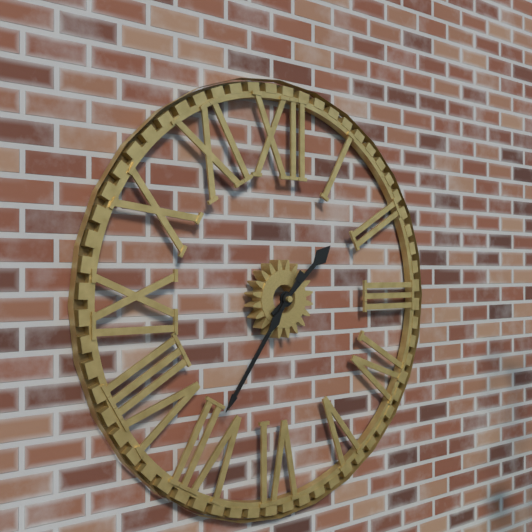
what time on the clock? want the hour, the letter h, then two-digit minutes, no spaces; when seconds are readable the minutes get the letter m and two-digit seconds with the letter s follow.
1h36
